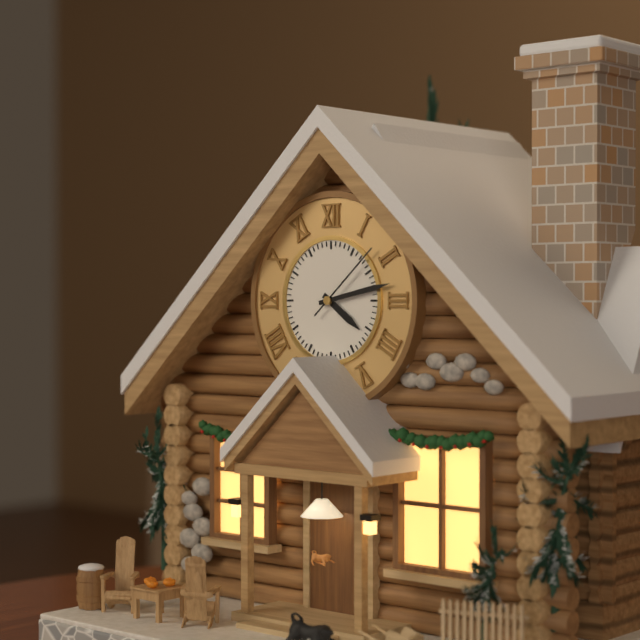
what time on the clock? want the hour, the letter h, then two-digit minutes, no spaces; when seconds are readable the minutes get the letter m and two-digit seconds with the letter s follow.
4h13m08s
